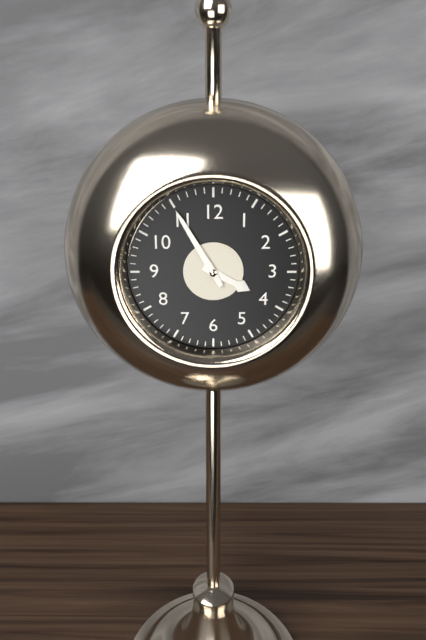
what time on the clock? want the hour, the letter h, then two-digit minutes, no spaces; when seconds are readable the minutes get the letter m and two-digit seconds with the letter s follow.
3h55
